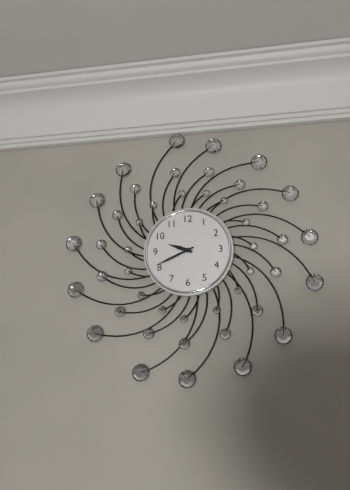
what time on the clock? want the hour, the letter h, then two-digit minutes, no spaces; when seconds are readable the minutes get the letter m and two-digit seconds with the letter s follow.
9h41
